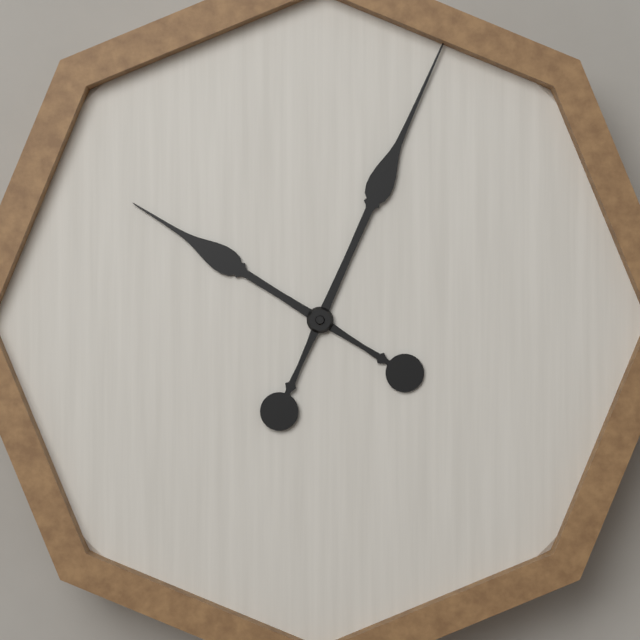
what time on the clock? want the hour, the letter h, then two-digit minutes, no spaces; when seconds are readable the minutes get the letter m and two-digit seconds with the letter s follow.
10h04
